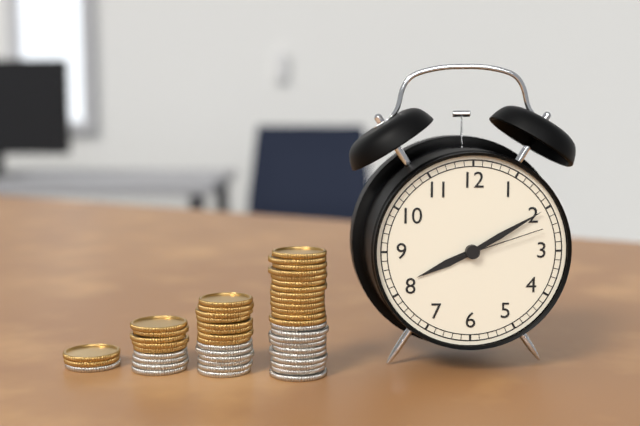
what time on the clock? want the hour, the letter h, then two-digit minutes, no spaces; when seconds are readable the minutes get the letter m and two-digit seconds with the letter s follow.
8h10m12s
